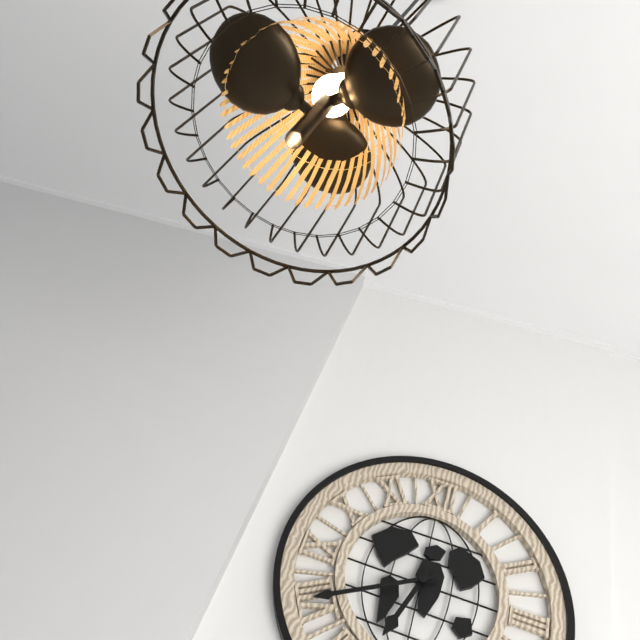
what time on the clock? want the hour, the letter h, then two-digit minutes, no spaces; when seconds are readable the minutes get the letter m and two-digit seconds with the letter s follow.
6h40
